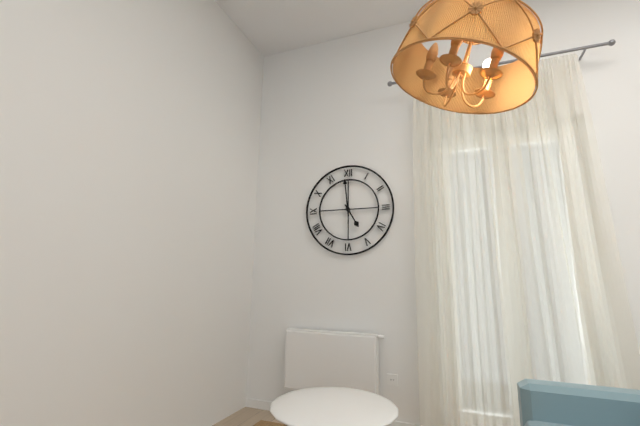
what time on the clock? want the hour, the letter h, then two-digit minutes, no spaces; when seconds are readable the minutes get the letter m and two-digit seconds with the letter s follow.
4h59
